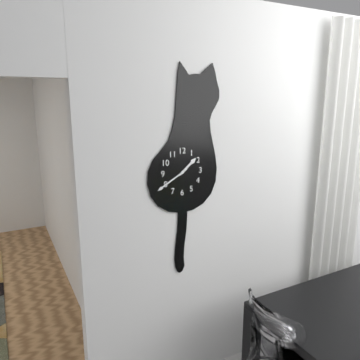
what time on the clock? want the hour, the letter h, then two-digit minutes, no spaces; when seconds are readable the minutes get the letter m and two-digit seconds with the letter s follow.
1h40
